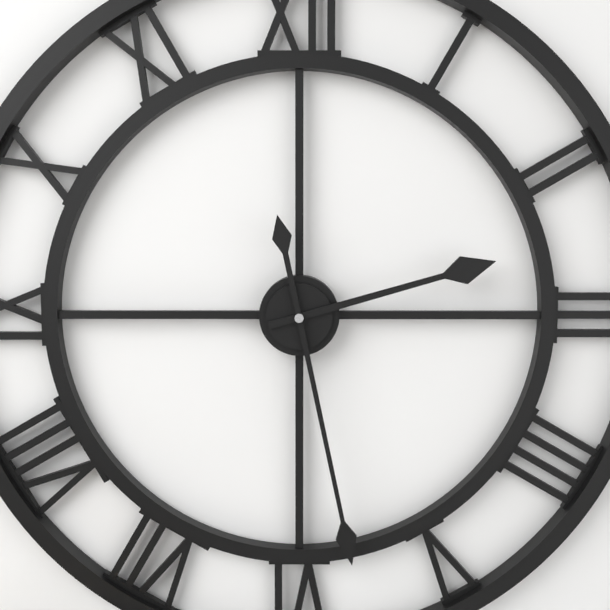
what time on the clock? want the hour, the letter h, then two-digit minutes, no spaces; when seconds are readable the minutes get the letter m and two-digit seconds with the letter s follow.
2h28
